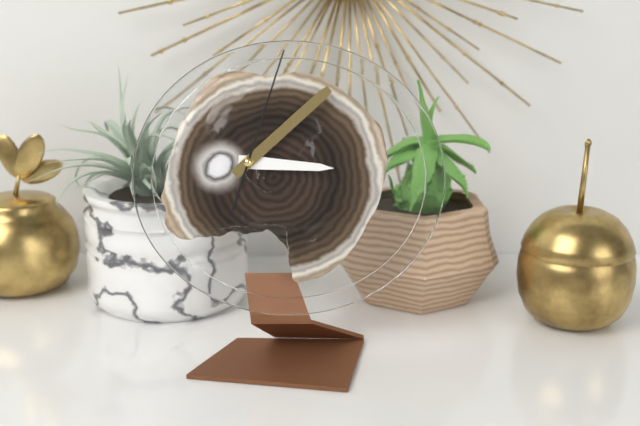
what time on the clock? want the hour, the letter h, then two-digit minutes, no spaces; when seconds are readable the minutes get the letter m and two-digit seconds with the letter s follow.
3h08m03s
